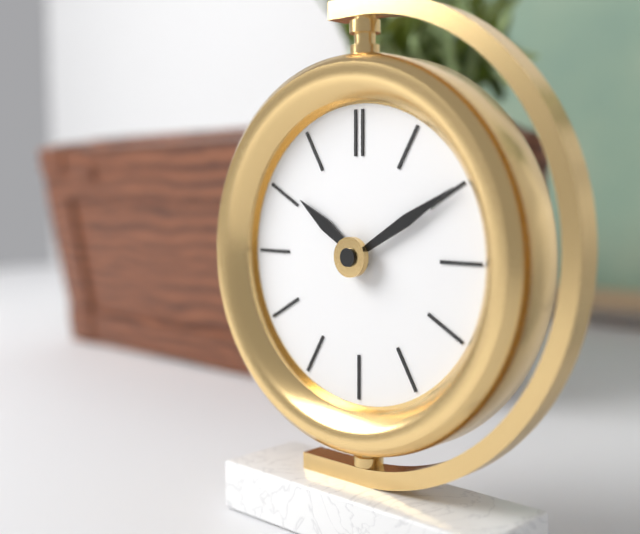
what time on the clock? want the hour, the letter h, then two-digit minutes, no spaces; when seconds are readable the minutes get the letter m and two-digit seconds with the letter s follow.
10h10
